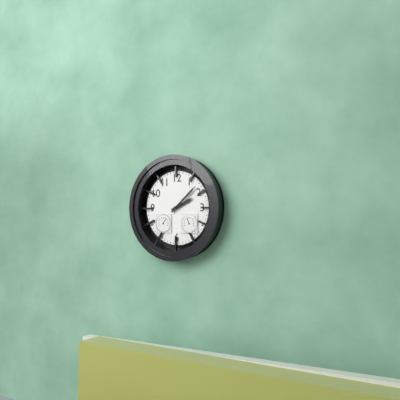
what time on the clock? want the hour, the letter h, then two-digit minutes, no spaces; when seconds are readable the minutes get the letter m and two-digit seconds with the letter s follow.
2h08
